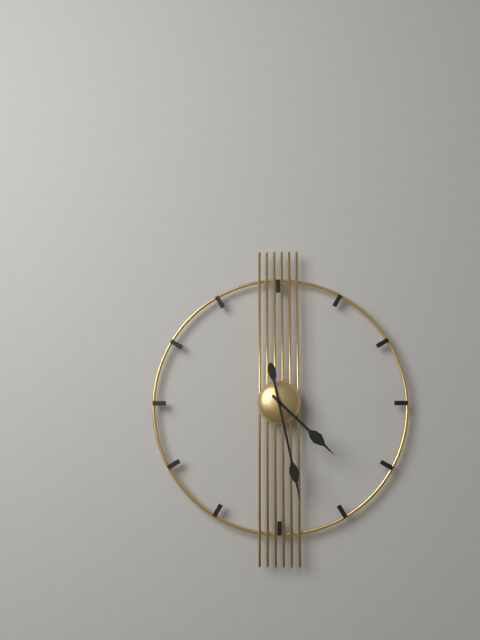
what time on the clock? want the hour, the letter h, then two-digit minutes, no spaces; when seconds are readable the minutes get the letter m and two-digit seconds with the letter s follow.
4h28
